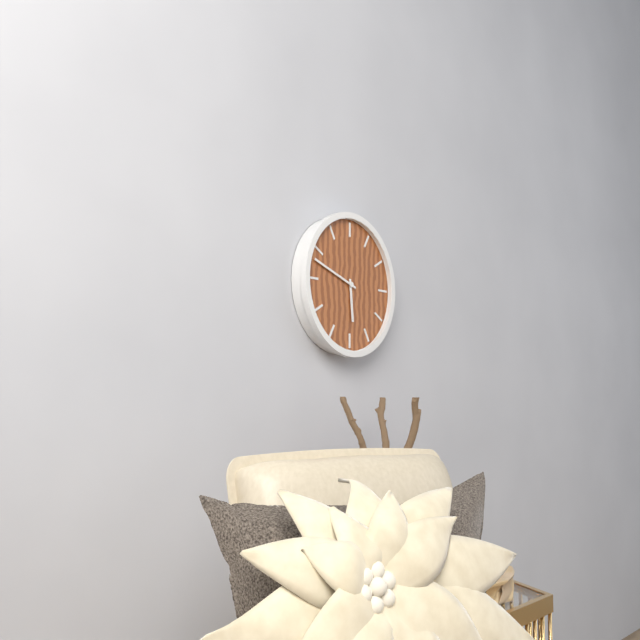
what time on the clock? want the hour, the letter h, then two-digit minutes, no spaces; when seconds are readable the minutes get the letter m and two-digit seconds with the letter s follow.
5h48
